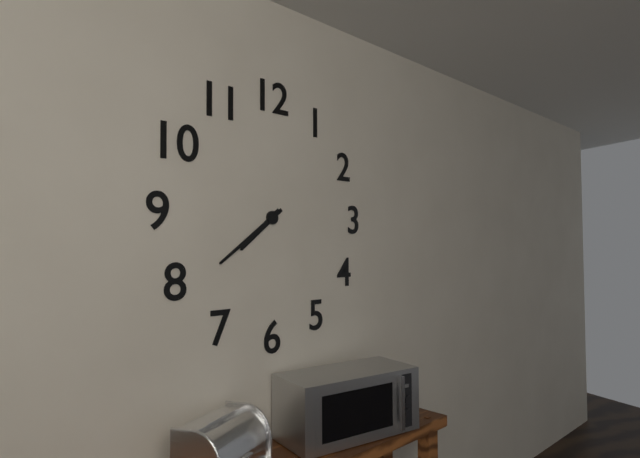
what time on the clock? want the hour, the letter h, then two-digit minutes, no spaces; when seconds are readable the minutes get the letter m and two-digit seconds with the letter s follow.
7h39
